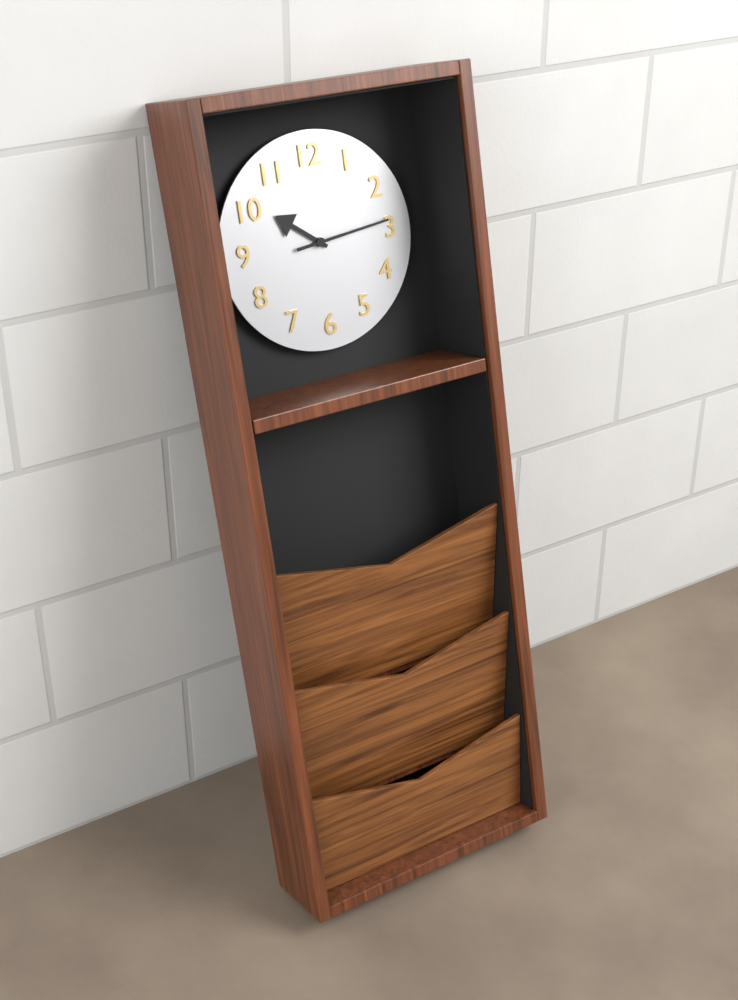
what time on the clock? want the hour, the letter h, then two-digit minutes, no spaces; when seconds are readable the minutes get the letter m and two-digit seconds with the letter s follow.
10h14
